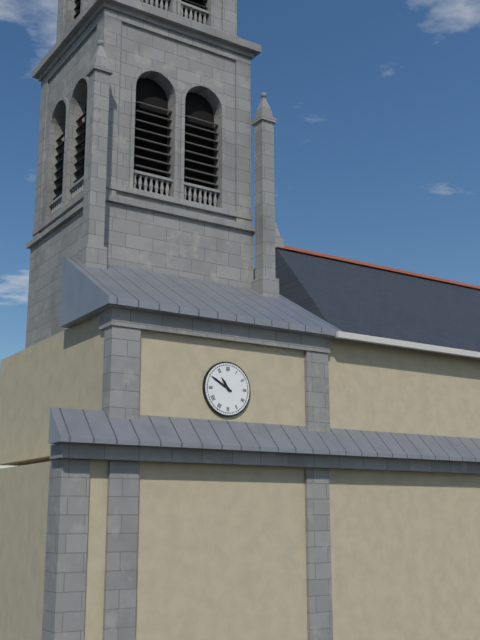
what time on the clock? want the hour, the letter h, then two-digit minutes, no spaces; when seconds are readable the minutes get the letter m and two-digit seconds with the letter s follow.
10h50
